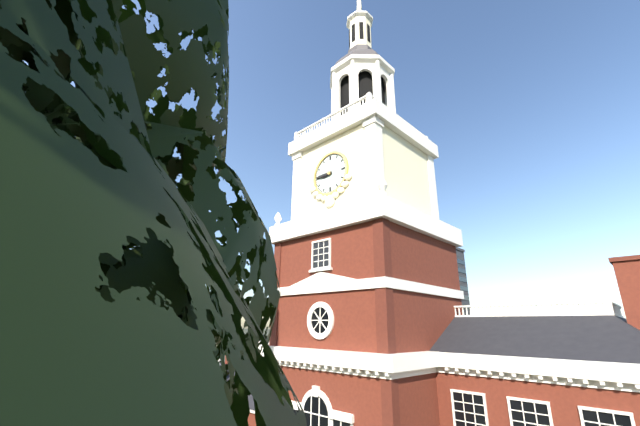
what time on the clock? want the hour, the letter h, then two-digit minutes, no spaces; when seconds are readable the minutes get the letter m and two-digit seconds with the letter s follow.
8h45
